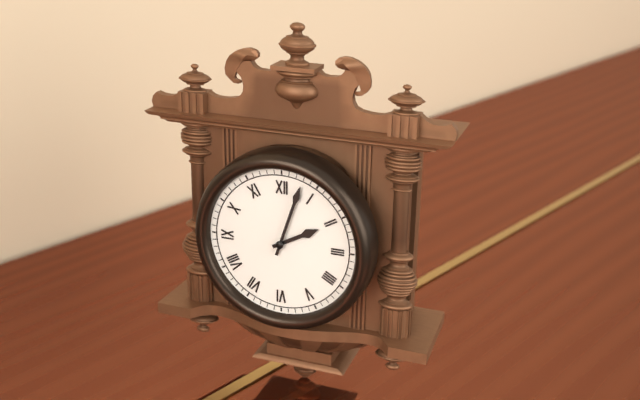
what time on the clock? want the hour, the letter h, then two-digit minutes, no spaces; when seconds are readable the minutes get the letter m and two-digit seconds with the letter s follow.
2h03
